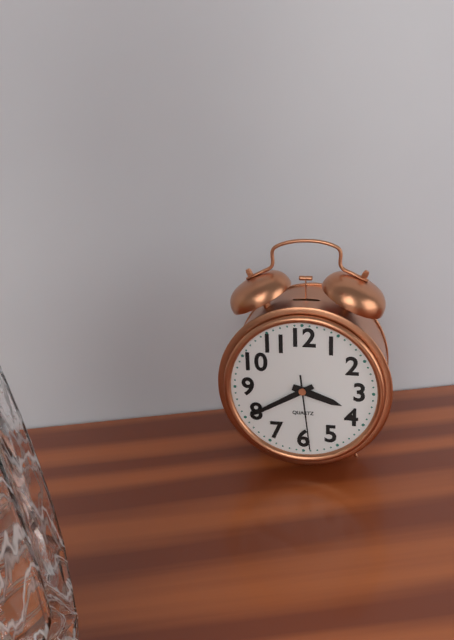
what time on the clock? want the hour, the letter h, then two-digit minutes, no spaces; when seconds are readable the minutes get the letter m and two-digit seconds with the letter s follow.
3h40m29s
